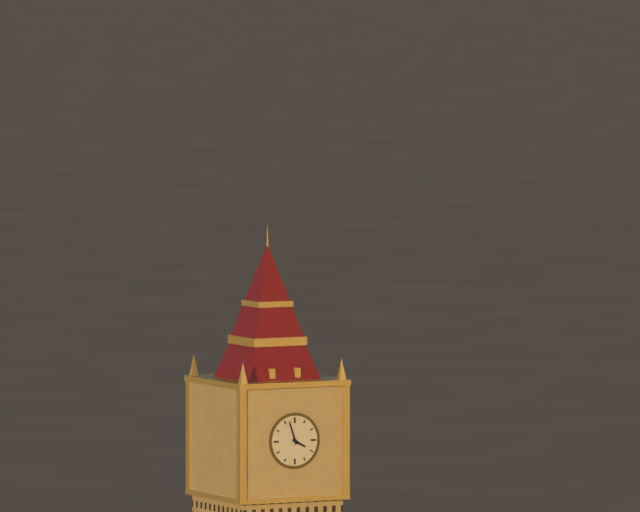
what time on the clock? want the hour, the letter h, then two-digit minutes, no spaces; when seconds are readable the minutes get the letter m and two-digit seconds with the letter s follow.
3h57
